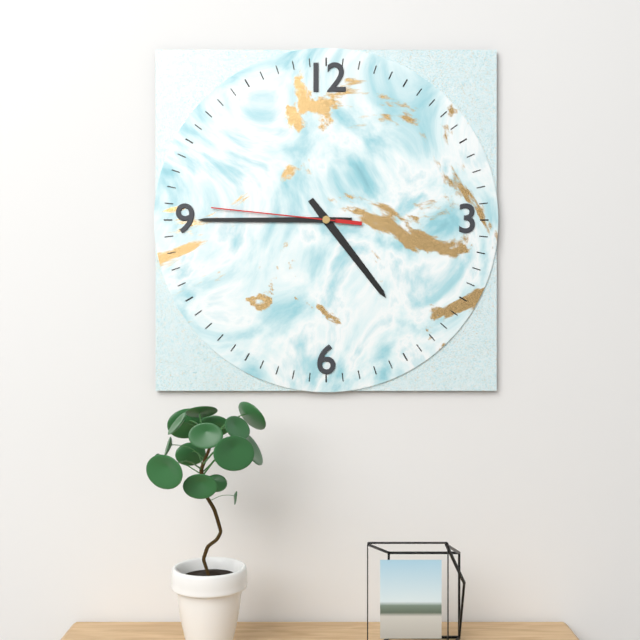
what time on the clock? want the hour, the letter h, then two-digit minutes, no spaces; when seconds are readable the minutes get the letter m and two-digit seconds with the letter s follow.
4h45m46s
